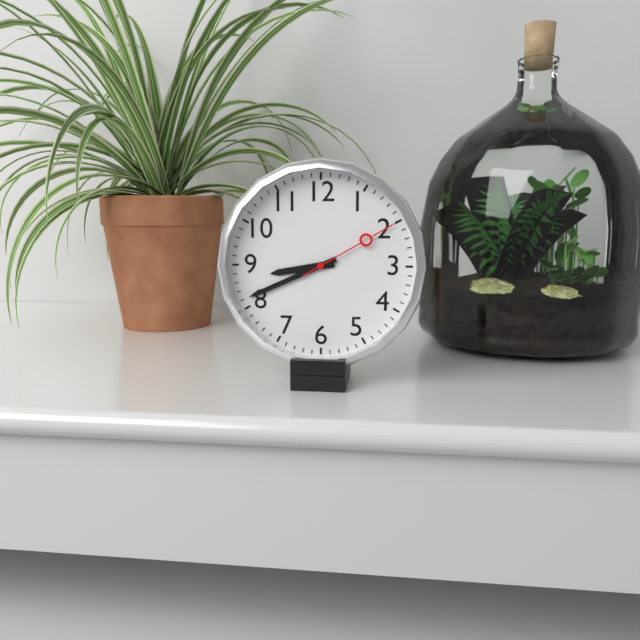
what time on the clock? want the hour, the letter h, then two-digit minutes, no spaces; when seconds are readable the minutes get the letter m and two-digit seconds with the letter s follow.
8h41m10s
